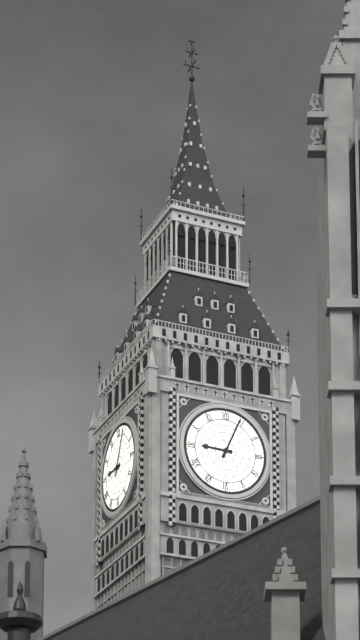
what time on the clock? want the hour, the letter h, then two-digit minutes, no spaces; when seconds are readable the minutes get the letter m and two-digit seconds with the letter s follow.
9h04
